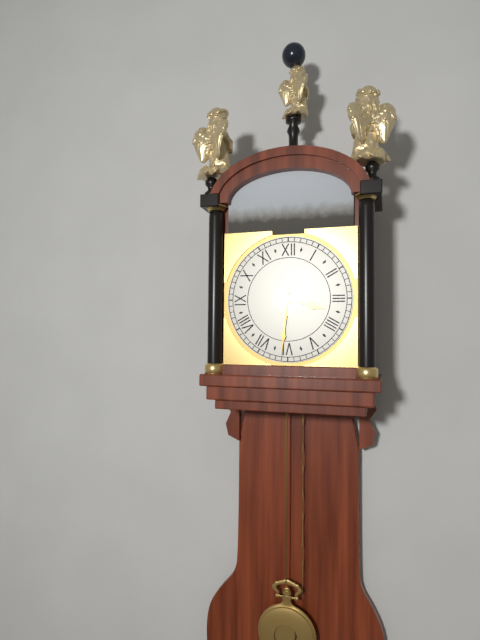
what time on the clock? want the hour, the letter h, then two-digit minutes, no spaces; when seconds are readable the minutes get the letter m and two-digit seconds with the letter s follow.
3h31
